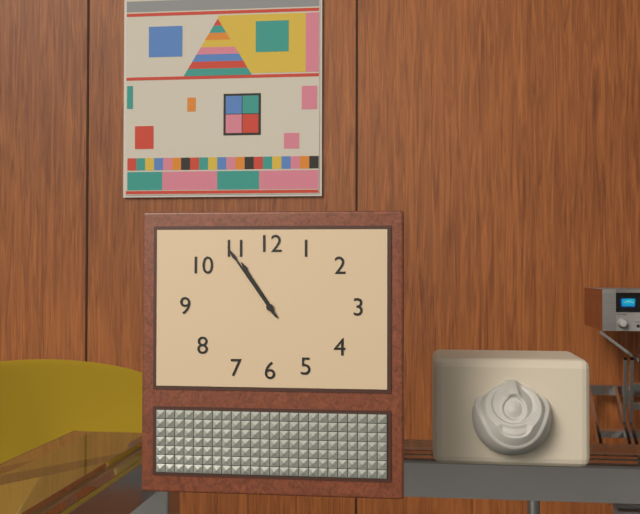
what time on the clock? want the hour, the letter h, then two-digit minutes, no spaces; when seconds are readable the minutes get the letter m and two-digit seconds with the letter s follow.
10h54
